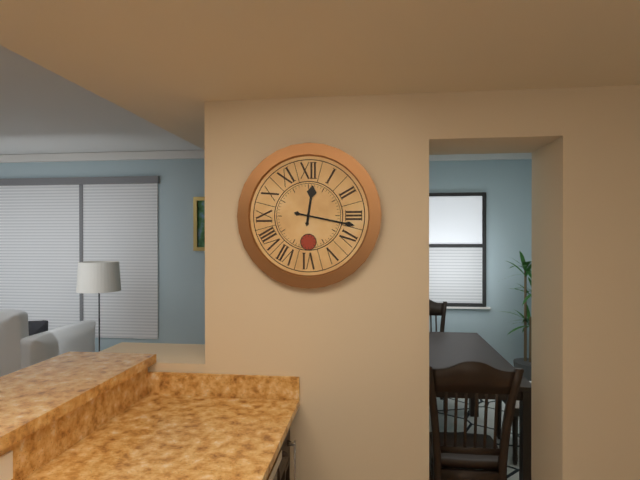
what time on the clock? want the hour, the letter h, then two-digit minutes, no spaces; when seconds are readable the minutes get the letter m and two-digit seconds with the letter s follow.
12h17
